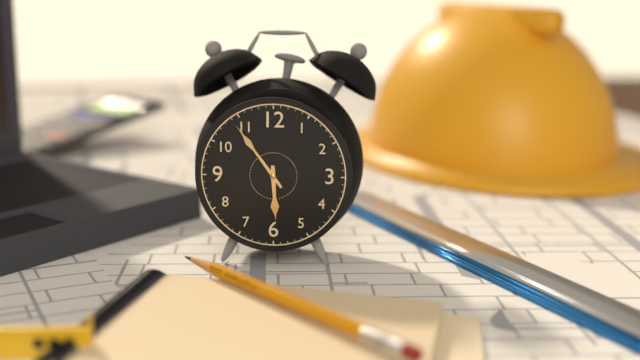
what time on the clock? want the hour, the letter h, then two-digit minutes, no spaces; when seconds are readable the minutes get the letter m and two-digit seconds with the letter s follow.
5h54
